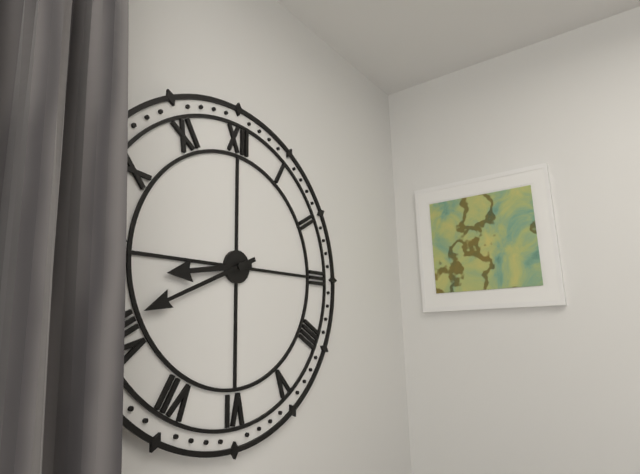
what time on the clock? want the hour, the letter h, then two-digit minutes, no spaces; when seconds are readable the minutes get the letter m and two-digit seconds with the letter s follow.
8h41
